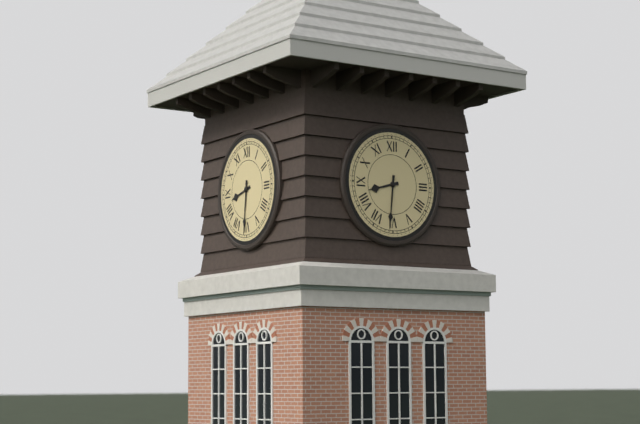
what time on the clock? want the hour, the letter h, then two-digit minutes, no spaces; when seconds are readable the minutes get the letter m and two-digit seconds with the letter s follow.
8h31
